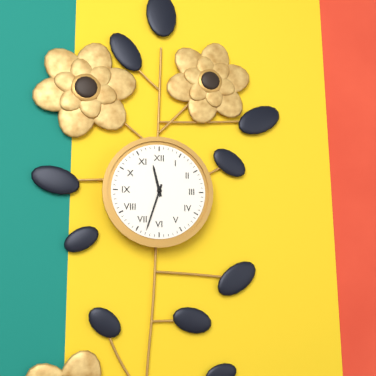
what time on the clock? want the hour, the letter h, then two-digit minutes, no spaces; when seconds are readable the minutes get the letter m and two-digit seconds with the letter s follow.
11h33
